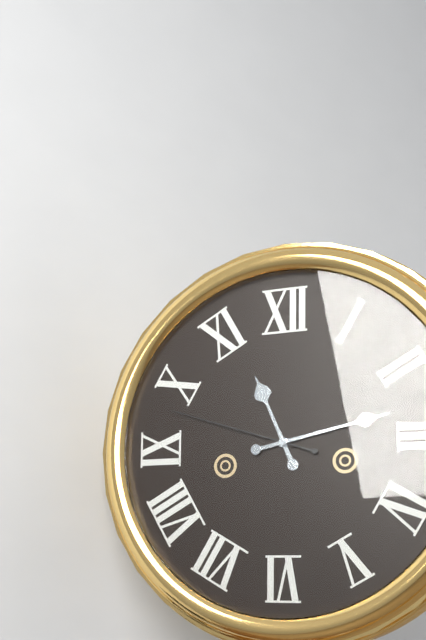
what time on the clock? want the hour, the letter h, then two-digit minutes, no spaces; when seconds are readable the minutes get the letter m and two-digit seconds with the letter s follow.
11h13m48s
